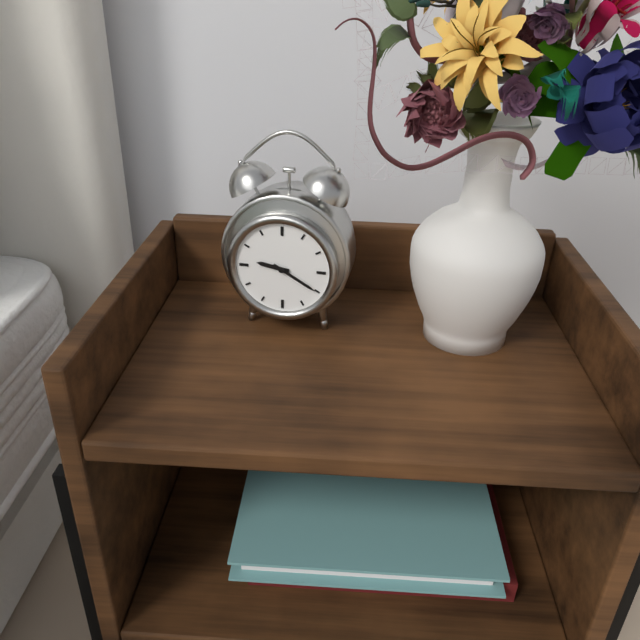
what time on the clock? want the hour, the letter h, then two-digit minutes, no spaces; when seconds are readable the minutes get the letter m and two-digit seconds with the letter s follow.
9h20
